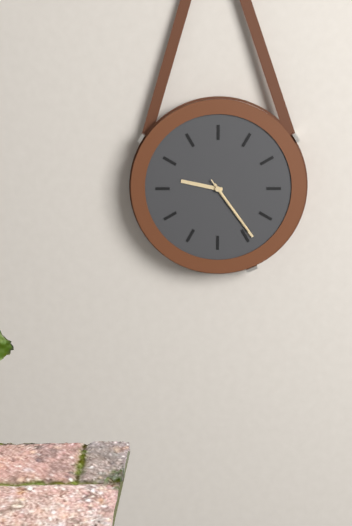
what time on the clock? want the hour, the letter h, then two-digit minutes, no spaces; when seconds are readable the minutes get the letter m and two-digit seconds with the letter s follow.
9h24m24s
